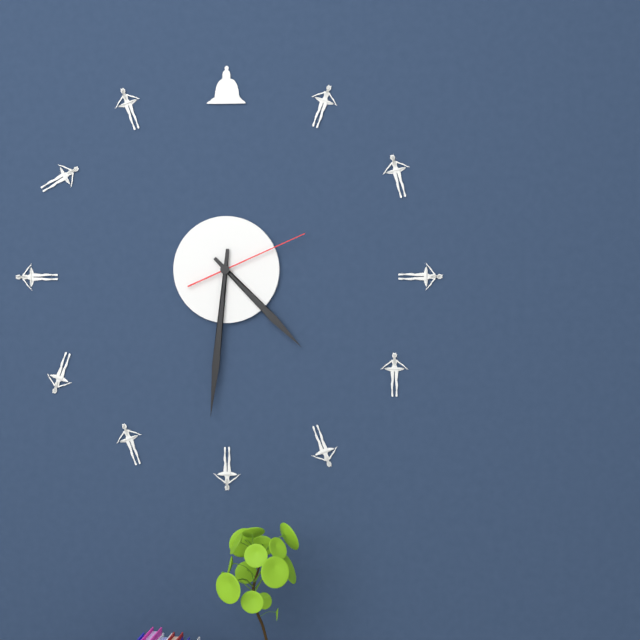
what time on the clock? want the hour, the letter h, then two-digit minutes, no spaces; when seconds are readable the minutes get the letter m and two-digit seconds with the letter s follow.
4h31m11s
